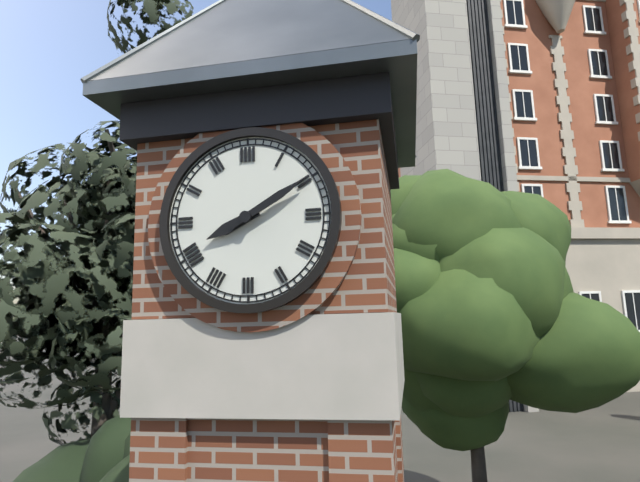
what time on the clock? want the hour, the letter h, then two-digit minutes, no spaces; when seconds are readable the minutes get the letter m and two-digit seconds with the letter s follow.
8h10
